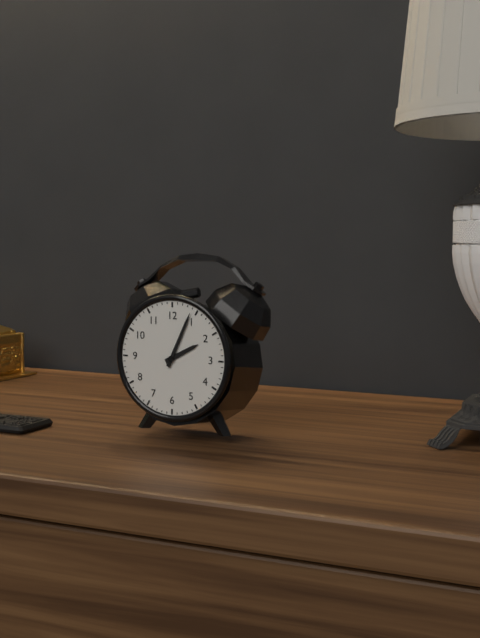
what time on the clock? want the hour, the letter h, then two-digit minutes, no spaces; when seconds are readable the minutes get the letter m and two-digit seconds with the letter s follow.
2h04
